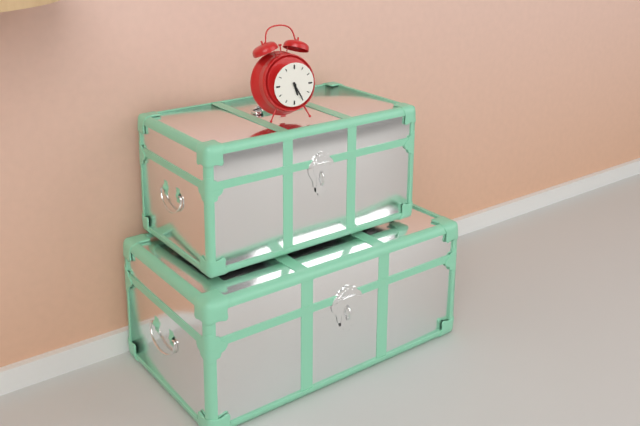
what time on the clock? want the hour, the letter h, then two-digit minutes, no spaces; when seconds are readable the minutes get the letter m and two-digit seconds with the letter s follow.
5h25
